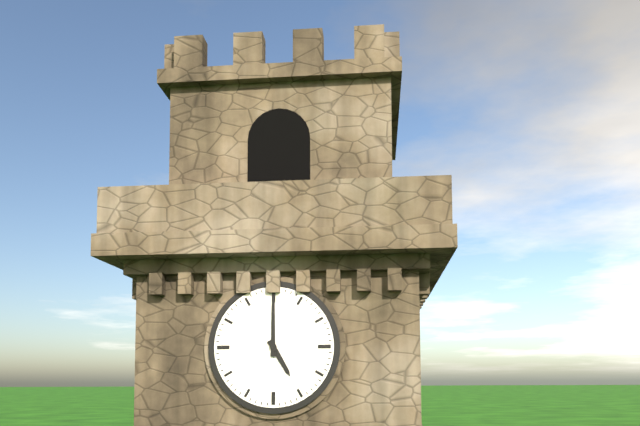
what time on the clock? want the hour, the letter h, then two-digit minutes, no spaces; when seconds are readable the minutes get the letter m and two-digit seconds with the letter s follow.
5h00
